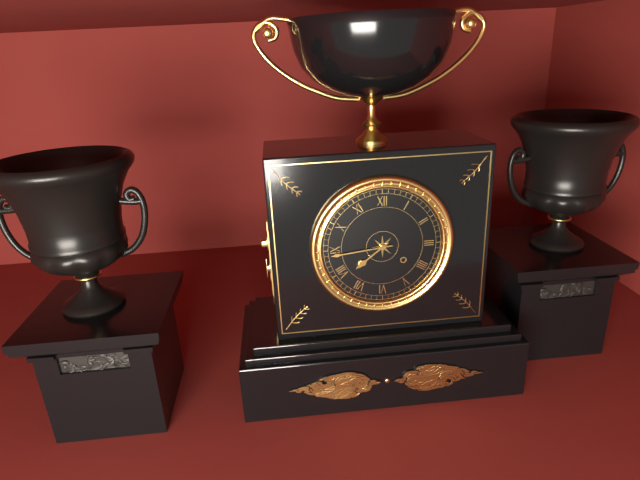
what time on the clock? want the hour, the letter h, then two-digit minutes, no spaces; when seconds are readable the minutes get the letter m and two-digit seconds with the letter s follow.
7h44
